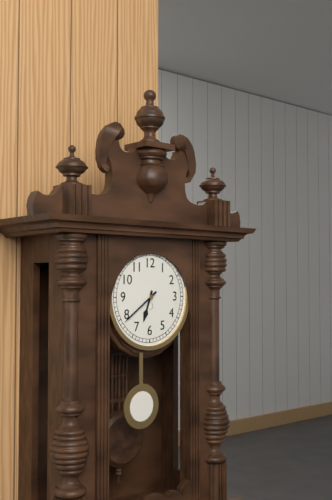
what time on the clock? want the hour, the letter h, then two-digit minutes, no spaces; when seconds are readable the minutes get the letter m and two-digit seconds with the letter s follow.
6h39
